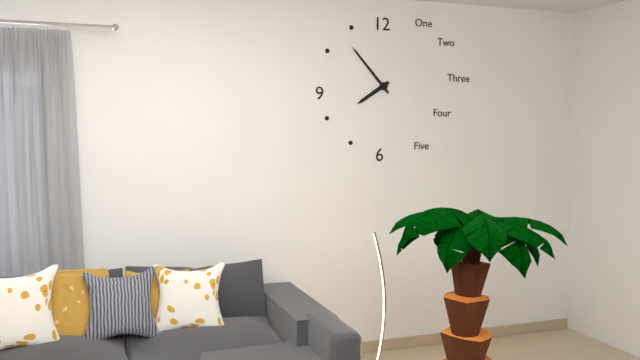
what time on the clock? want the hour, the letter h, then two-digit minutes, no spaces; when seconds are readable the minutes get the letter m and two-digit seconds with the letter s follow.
7h53
